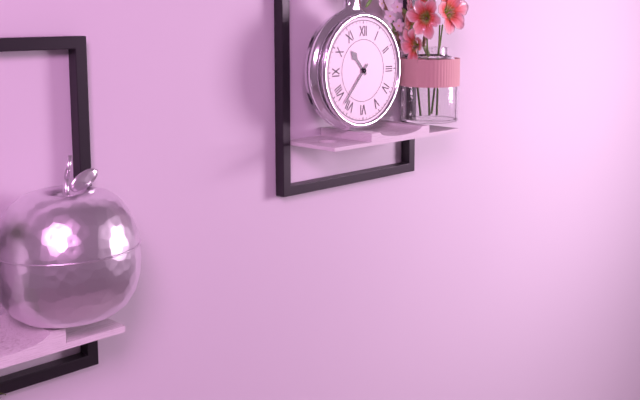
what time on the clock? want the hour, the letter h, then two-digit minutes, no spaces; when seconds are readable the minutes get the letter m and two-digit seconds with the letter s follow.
10h37
